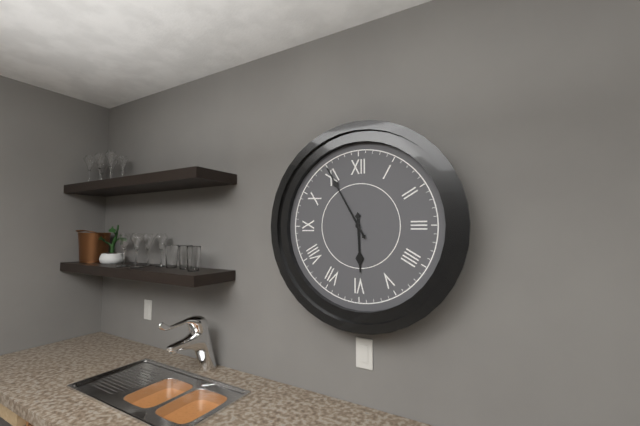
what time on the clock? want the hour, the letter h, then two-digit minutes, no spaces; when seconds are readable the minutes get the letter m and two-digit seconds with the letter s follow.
5h55
